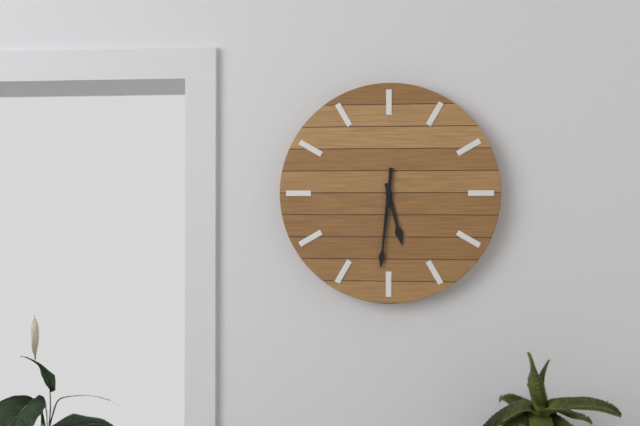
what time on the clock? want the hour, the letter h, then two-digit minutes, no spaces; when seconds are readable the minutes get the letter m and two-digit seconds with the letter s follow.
5h31
